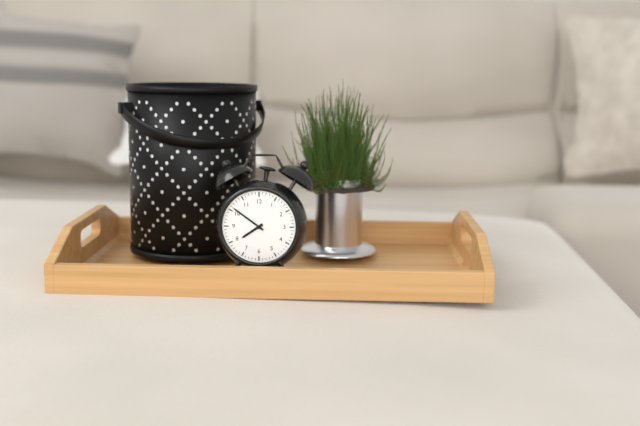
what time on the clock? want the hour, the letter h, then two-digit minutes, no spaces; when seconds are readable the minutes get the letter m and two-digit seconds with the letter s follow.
7h51
